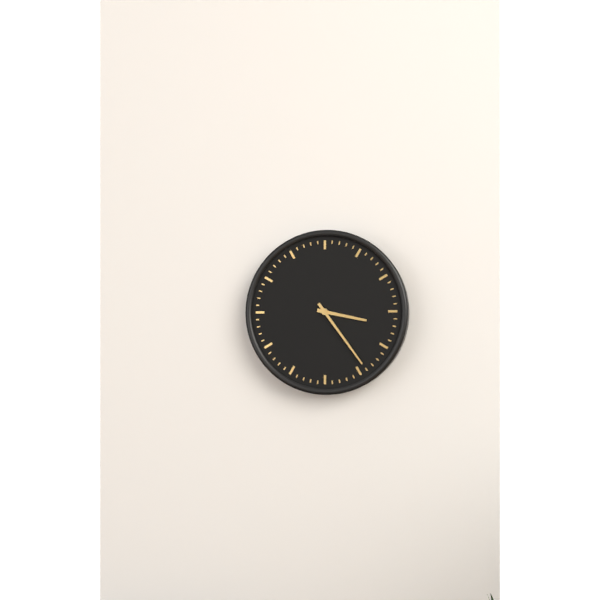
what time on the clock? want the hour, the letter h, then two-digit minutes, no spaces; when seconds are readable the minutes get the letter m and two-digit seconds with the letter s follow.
3h24
